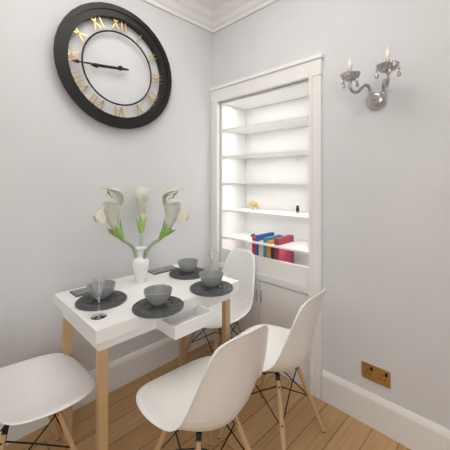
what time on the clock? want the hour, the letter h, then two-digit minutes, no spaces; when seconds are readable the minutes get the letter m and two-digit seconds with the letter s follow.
8h44
